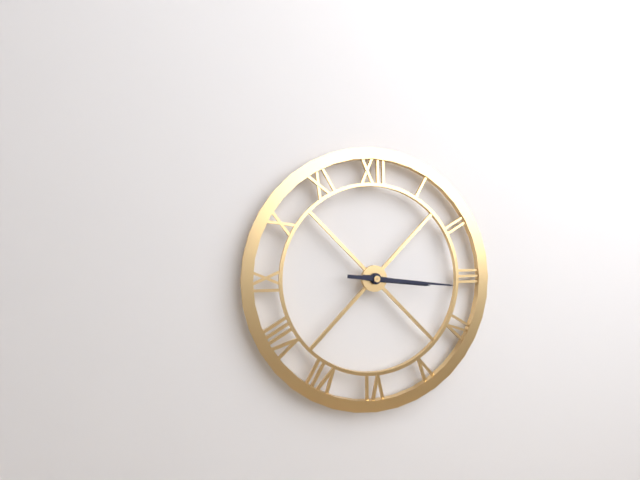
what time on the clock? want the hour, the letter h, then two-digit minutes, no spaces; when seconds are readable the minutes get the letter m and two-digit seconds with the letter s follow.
3h16
